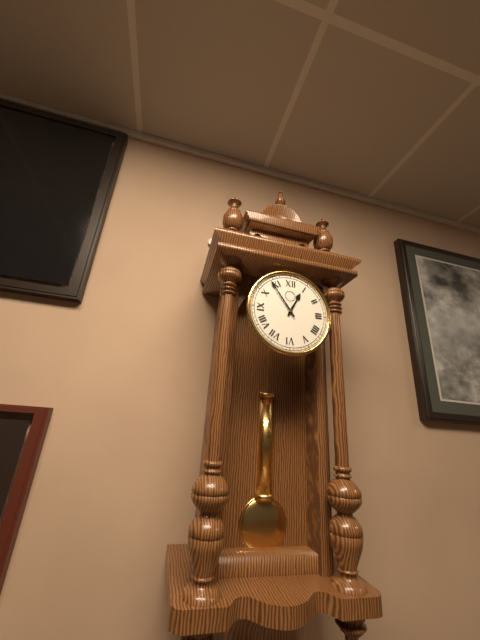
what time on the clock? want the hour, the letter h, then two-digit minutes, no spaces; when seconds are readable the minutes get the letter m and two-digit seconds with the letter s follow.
12h54
